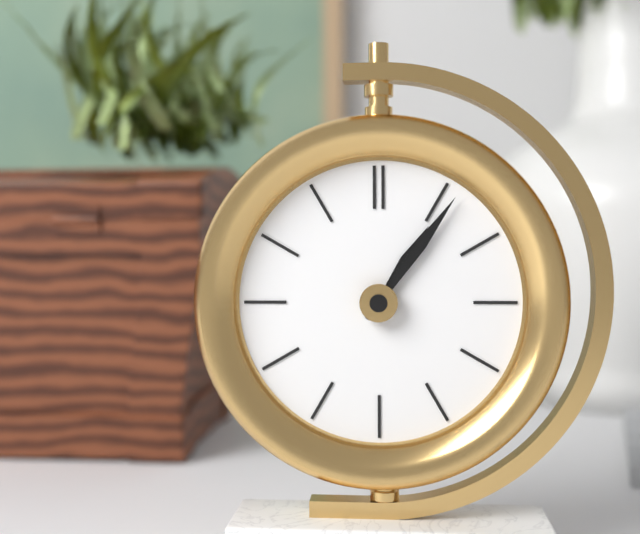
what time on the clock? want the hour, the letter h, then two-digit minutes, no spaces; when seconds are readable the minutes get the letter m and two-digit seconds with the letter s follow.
1h06
